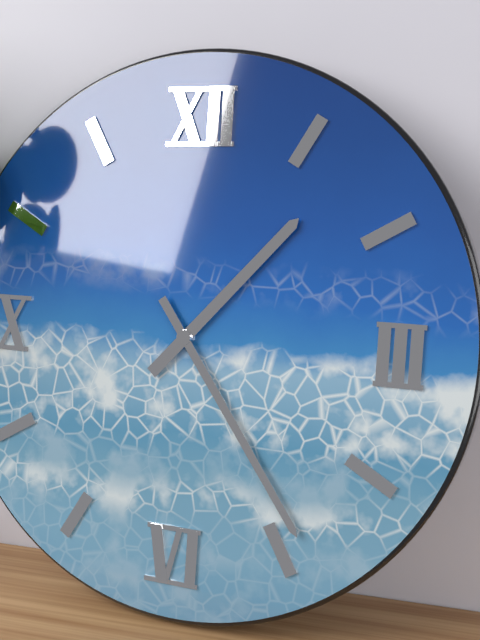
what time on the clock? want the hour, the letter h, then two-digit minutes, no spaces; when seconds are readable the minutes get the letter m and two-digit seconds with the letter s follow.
1h24
